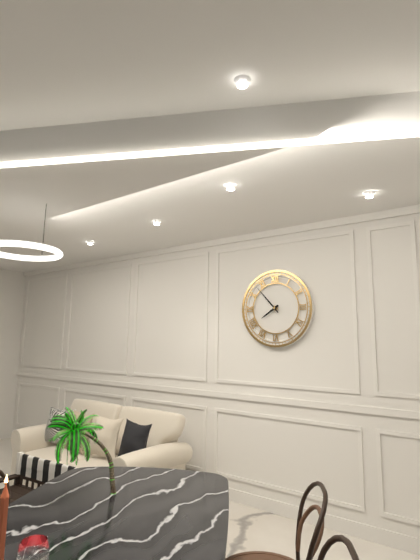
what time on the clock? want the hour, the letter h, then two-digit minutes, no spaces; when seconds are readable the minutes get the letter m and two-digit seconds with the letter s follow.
7h53
